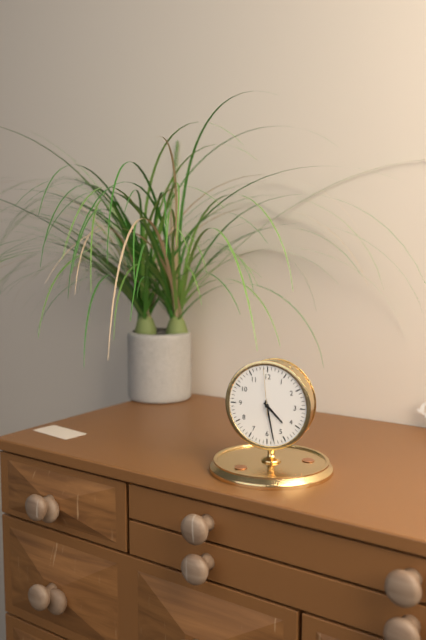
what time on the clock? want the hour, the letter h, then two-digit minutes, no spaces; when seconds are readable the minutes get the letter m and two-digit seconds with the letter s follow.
4h28
